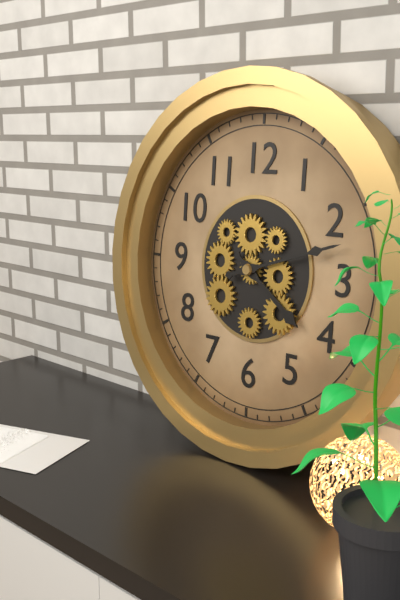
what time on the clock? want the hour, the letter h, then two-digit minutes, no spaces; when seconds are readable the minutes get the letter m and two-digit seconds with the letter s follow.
4h12
